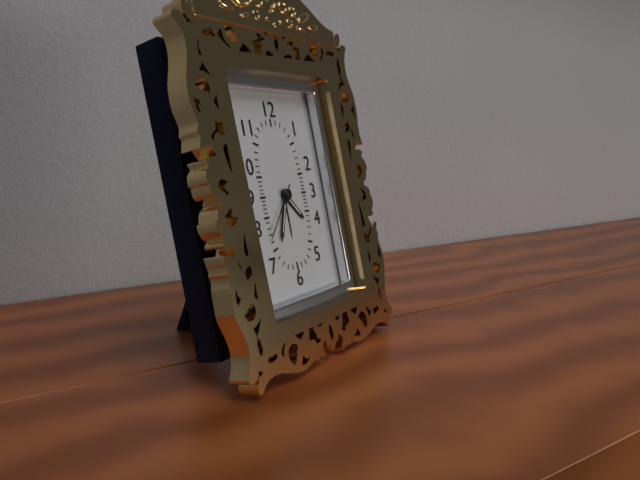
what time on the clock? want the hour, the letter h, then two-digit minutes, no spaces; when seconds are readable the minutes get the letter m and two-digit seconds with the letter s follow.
4h34m37s
